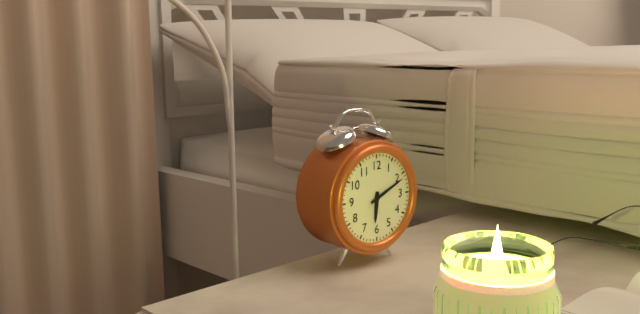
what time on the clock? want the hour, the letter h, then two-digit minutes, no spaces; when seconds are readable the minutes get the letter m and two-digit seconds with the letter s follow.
6h11
